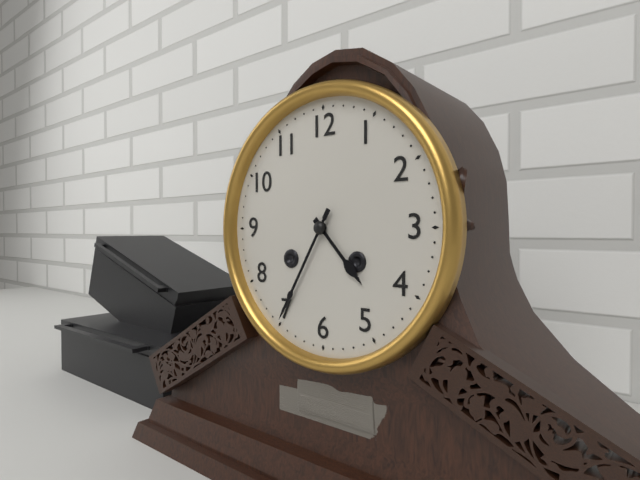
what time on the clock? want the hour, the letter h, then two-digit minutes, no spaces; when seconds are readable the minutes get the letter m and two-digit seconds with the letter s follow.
4h35
